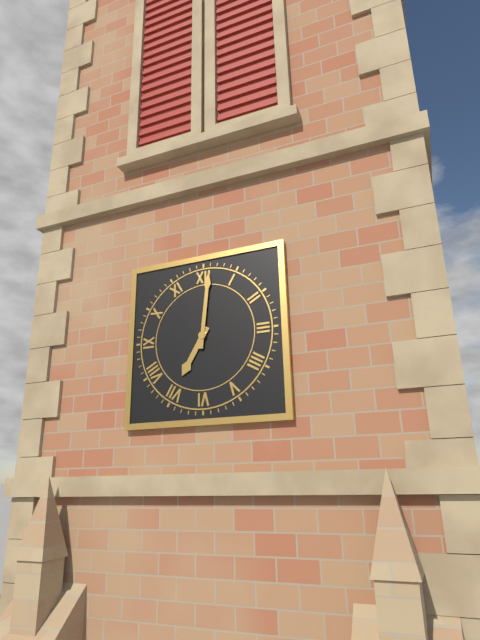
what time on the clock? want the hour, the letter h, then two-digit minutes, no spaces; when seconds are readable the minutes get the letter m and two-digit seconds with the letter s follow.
7h01
